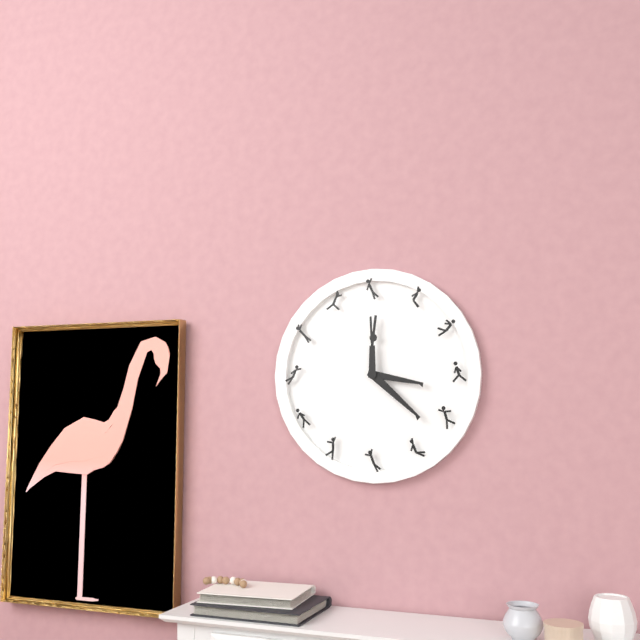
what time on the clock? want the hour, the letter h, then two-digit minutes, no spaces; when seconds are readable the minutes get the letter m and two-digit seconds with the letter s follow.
3h22
